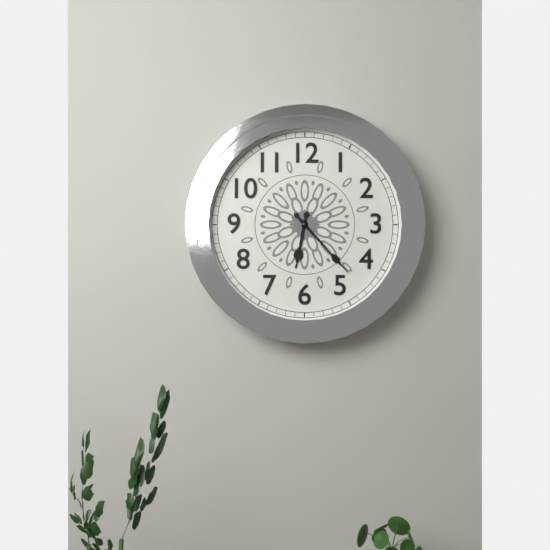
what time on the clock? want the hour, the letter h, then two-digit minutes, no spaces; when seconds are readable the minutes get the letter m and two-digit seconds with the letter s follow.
6h23
